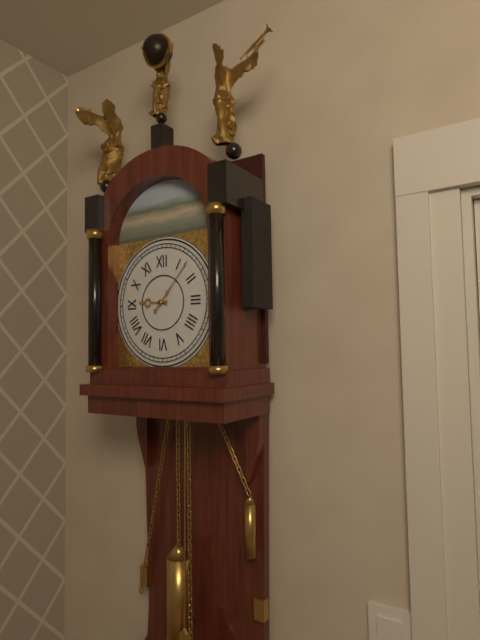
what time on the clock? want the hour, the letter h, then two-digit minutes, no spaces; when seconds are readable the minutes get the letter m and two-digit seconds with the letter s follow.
9h07
